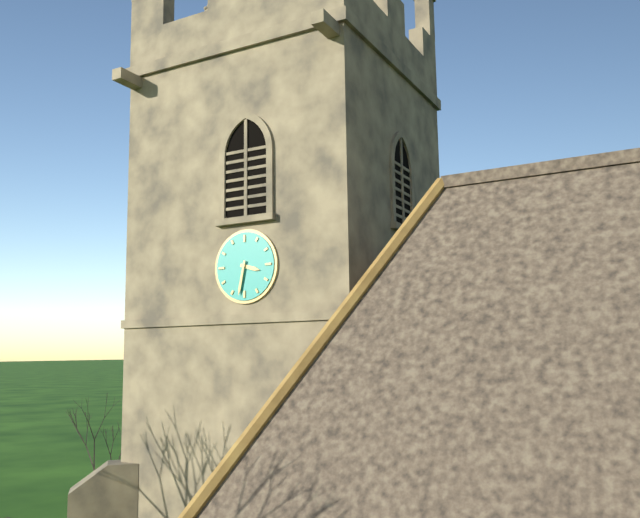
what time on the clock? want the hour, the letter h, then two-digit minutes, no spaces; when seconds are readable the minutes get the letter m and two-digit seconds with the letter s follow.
3h32
